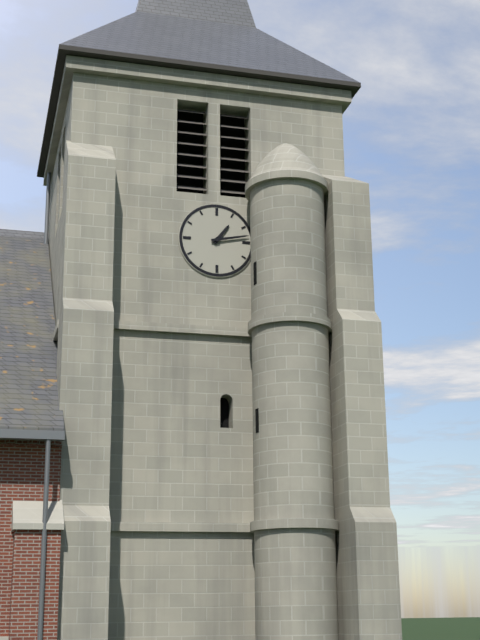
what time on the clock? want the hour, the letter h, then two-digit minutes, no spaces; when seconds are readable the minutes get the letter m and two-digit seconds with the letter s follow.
1h13
